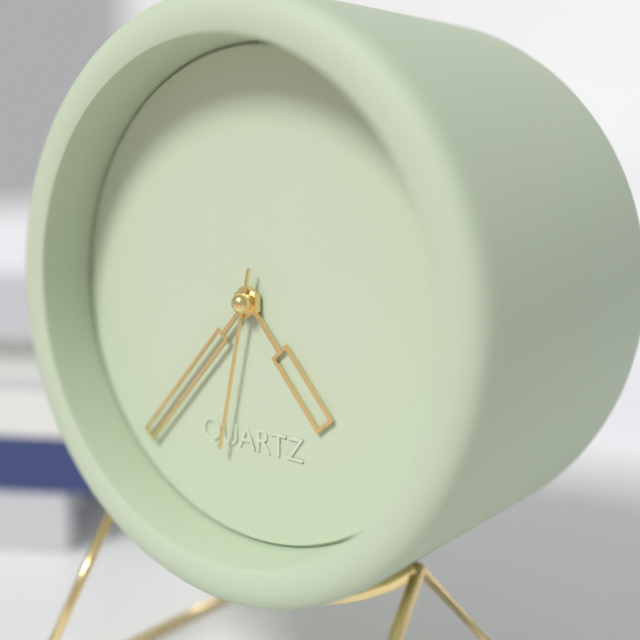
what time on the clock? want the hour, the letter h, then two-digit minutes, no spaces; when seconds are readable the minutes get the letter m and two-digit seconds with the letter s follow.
4h37m32s
